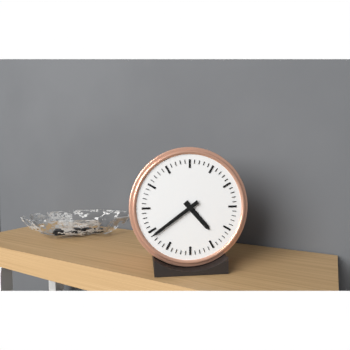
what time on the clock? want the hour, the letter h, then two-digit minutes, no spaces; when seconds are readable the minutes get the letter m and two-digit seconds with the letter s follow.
4h39
